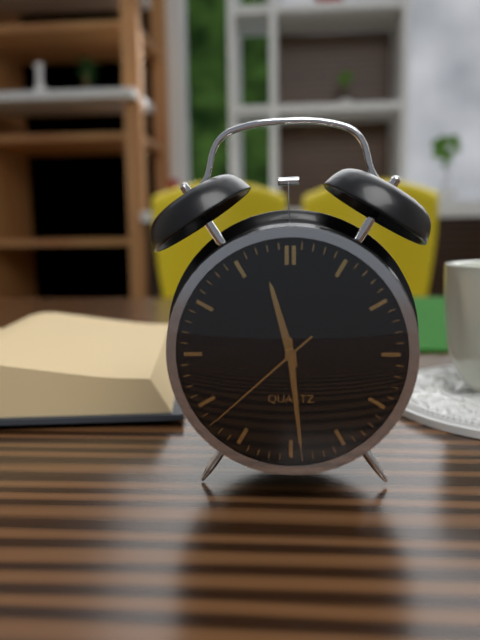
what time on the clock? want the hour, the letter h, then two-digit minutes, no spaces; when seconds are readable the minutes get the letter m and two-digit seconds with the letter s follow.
11h29m38s
